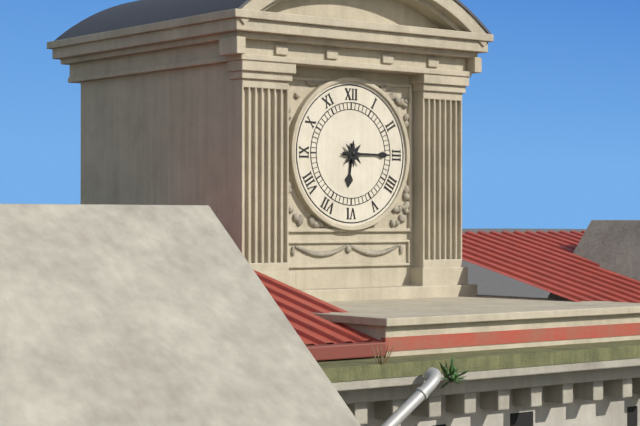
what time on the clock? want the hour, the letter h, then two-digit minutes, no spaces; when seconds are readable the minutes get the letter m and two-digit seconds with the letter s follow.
6h15
